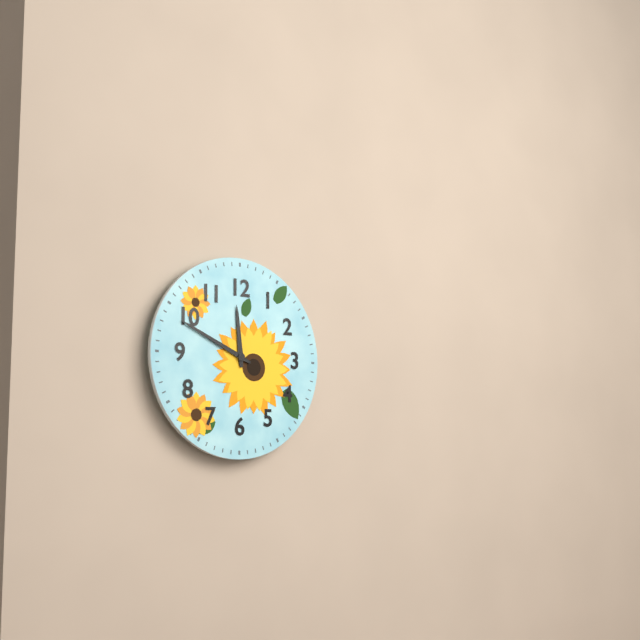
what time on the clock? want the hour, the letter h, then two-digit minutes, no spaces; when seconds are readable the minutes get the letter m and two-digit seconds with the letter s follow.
11h49
